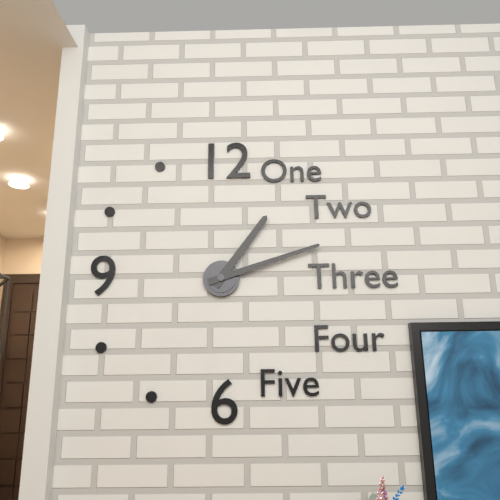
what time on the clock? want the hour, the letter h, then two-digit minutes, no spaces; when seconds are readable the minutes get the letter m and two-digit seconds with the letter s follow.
1h12
